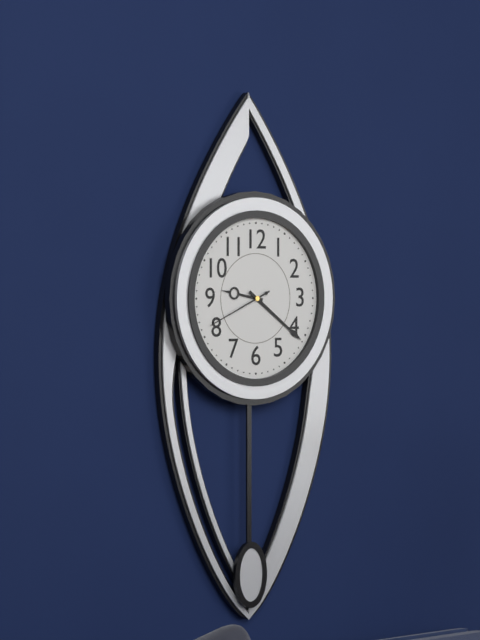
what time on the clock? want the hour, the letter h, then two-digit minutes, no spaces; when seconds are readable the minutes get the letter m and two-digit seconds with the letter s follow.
9h21m41s
